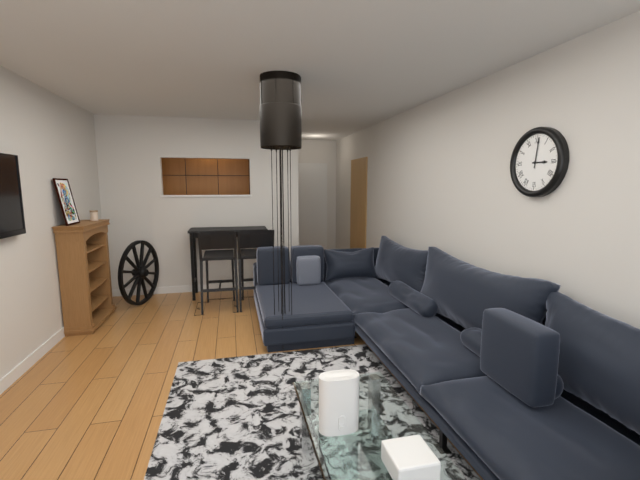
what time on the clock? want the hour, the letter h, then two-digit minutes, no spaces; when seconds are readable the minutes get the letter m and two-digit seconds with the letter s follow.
3h01
